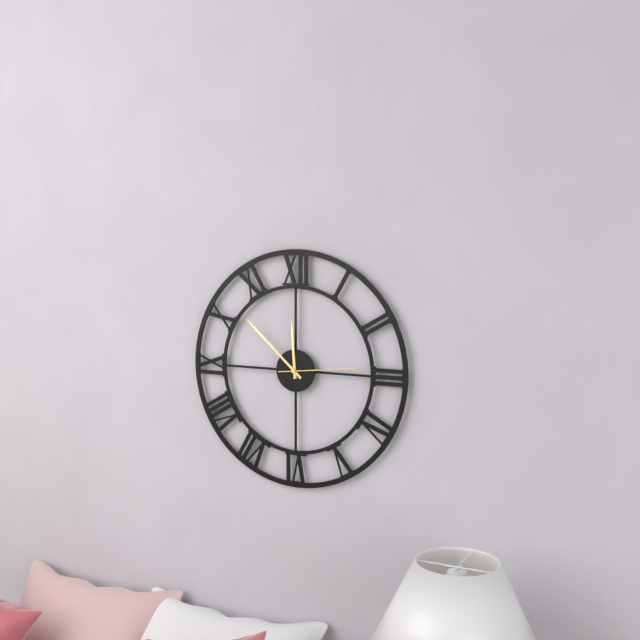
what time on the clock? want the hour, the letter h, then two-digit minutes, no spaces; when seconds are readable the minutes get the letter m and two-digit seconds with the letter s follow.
11h52m14s
